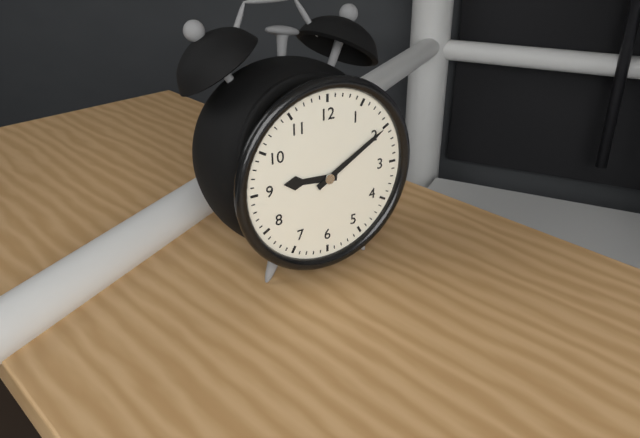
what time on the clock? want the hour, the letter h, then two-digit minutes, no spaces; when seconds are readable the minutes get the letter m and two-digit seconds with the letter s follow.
9h10
